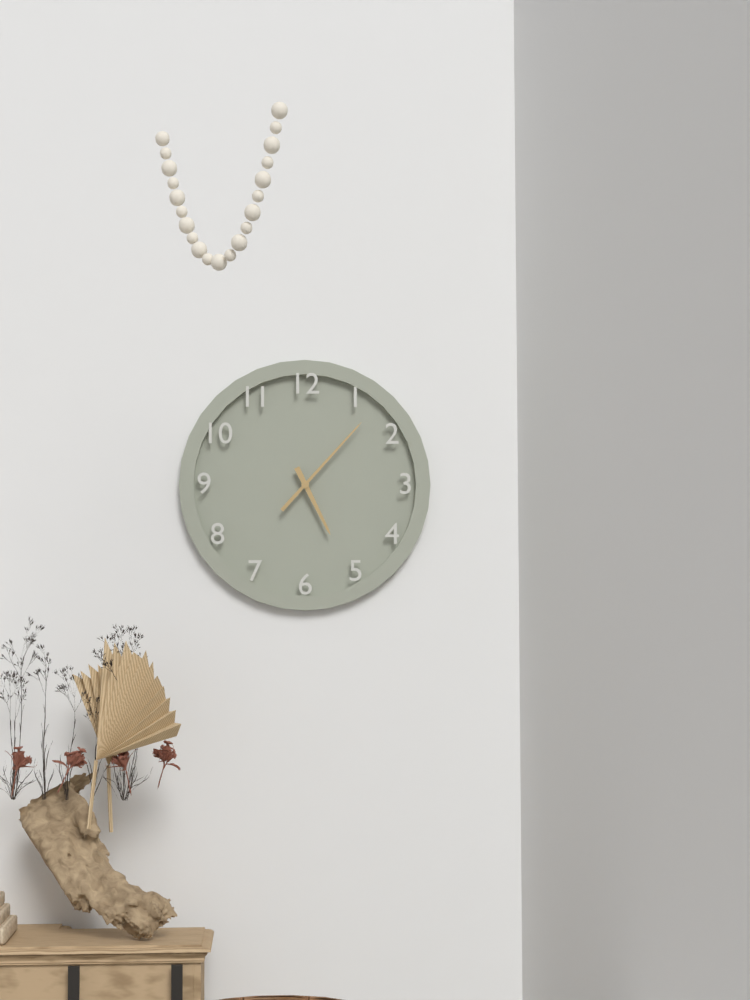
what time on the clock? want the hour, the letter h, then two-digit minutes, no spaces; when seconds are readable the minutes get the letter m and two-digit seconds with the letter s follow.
5h07
